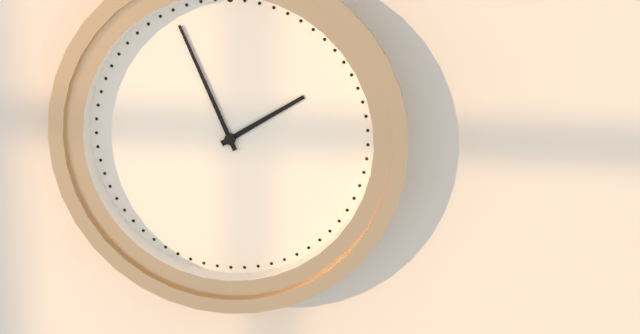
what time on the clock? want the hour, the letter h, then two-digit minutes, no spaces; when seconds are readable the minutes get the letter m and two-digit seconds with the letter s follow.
1h56
